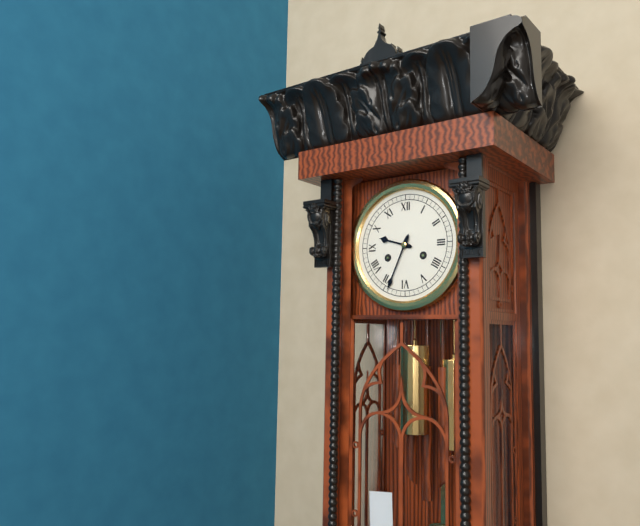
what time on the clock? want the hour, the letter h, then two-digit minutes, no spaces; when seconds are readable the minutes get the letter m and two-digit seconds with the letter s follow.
9h34
